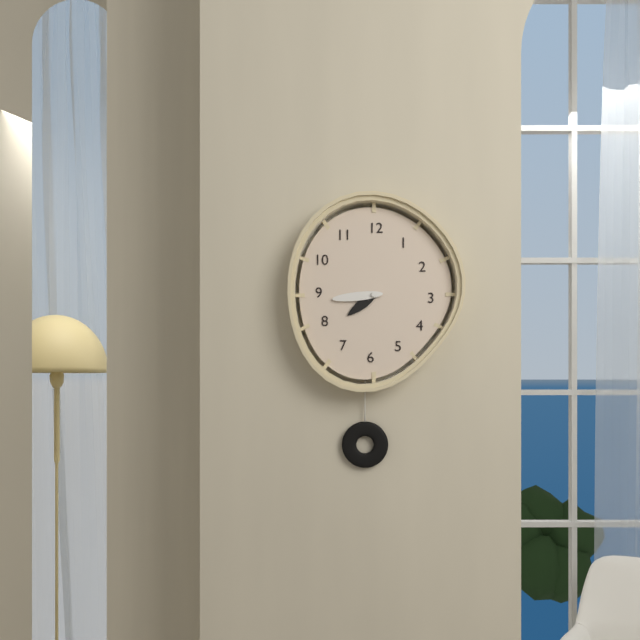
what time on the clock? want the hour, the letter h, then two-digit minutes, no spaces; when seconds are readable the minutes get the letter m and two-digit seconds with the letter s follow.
7h44
